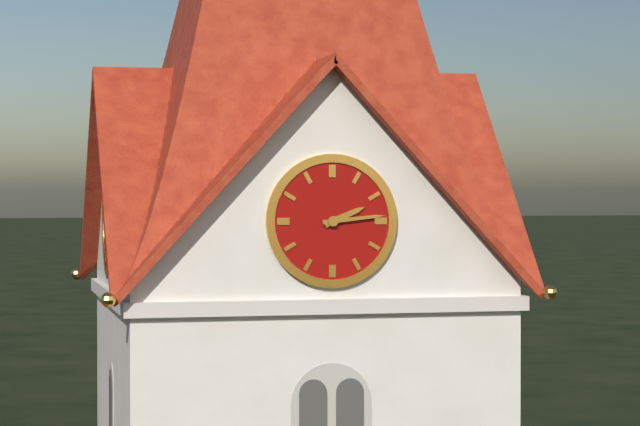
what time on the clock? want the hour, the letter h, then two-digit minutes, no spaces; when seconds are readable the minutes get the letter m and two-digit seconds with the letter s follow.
2h14
